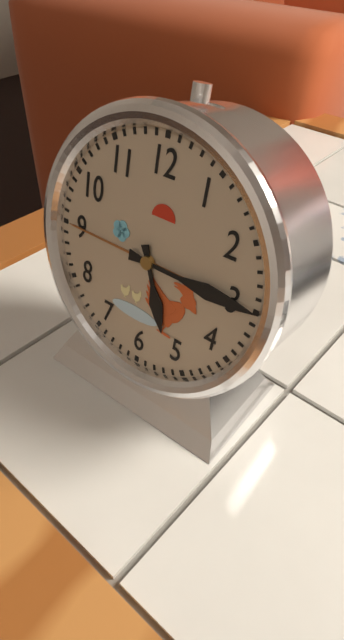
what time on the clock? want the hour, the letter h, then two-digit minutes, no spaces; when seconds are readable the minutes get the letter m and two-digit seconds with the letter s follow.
5h15
